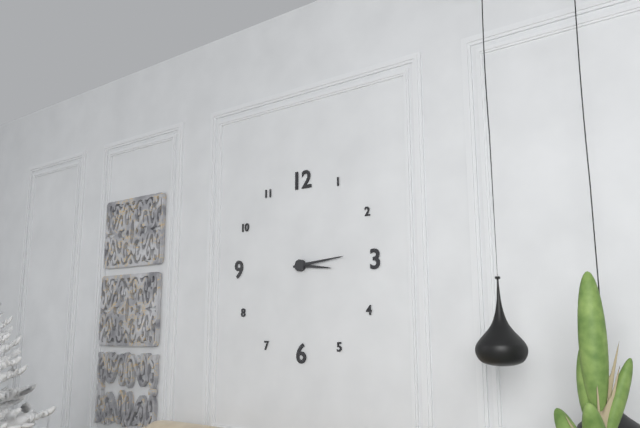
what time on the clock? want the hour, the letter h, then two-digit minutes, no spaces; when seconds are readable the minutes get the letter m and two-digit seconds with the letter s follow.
3h14
